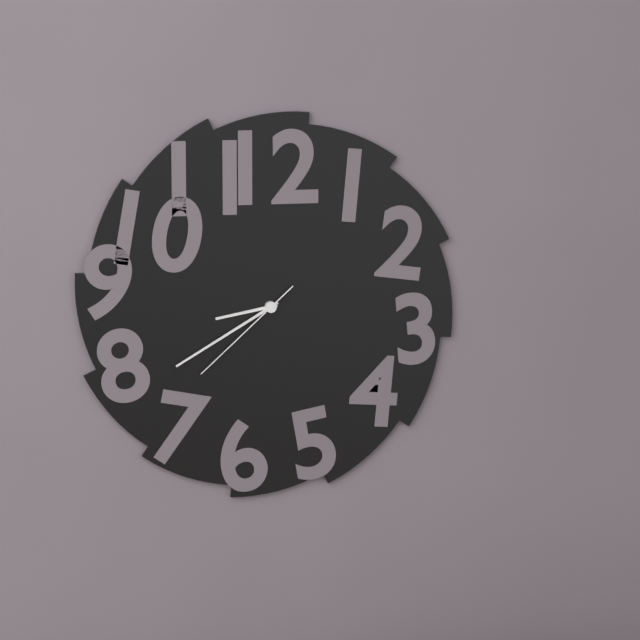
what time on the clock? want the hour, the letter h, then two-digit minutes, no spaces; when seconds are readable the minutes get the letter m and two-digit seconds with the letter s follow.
8h40m38s
